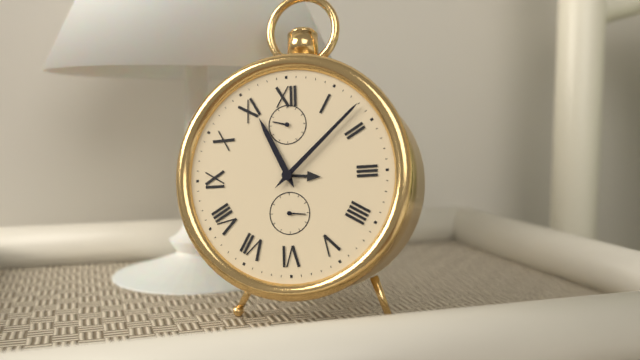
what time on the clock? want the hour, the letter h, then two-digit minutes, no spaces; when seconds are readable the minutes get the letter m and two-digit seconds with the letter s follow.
11h08
